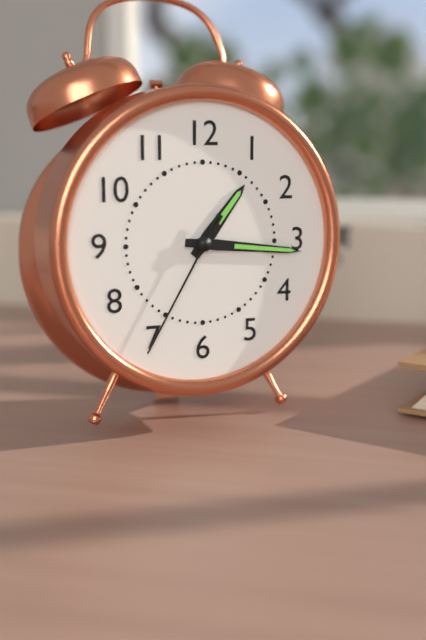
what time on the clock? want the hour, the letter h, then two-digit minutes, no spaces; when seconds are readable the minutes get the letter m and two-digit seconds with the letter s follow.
1h16m35s
